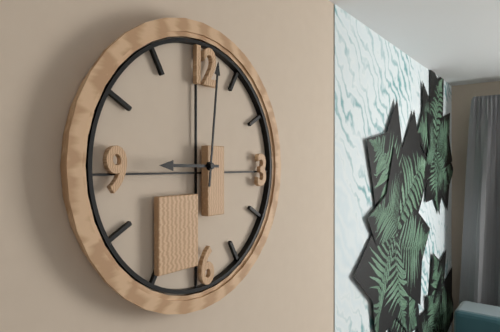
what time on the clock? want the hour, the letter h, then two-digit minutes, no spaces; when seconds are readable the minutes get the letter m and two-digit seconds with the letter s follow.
9h01
